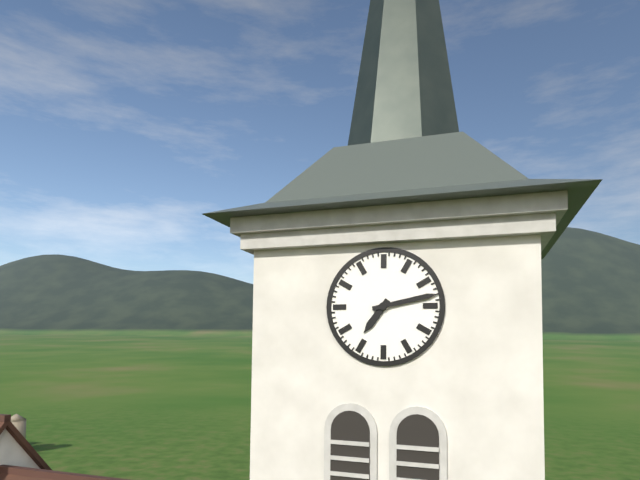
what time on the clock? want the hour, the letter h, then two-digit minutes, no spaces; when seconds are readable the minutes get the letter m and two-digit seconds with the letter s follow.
7h13
